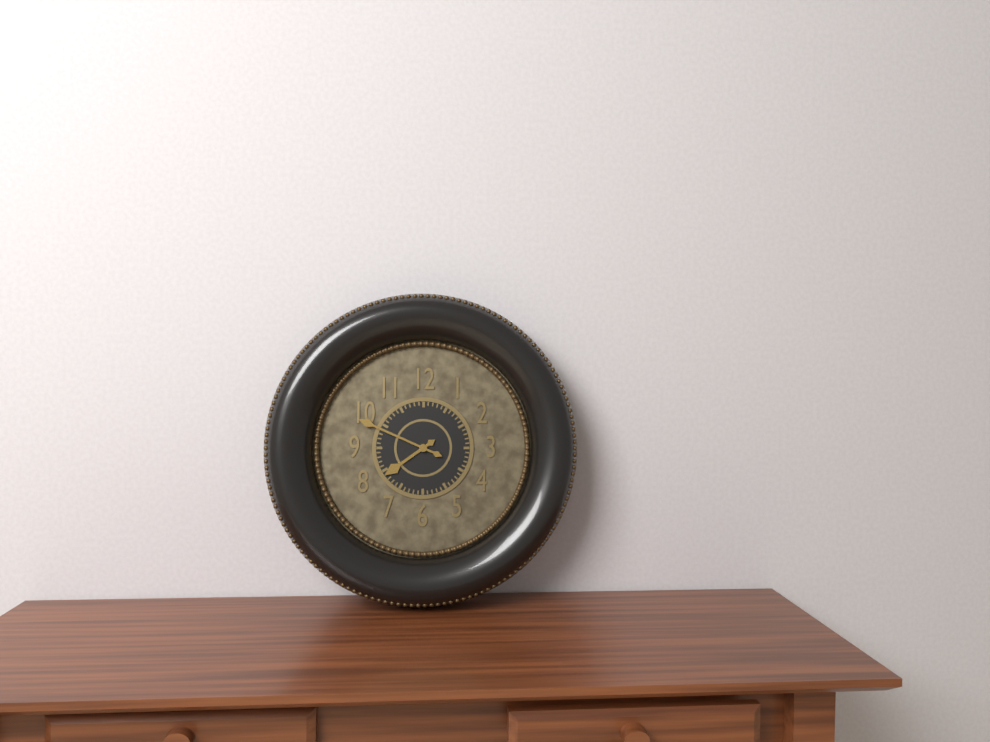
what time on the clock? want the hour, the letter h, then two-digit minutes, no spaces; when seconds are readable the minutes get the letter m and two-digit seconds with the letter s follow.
7h49
